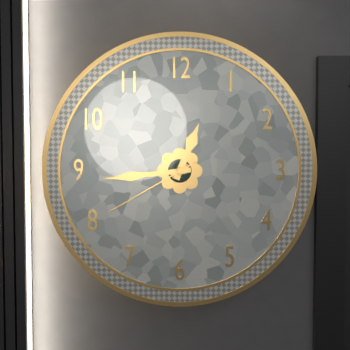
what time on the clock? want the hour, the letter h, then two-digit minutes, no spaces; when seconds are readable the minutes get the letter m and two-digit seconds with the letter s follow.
12h44m40s
